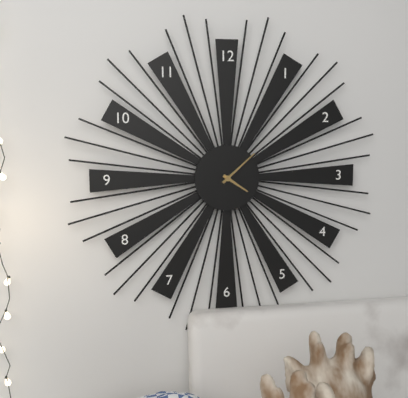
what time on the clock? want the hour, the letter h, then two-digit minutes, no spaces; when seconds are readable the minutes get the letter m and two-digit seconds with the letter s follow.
4h08
